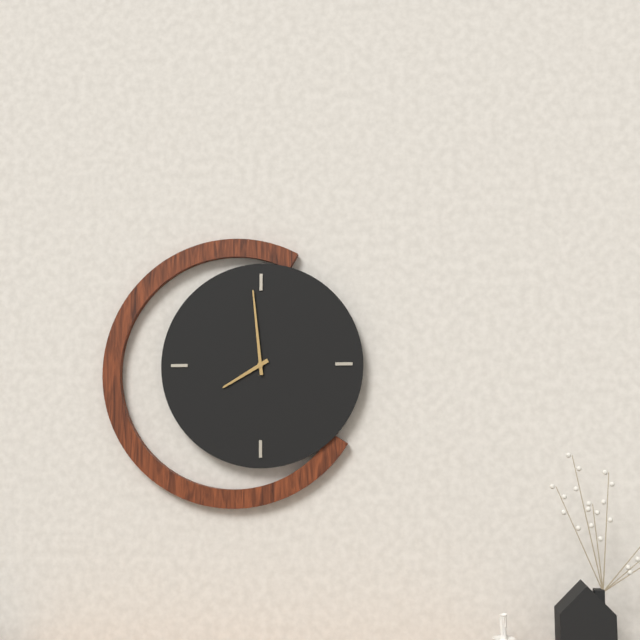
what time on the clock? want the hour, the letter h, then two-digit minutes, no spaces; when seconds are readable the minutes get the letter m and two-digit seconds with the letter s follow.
7h59
